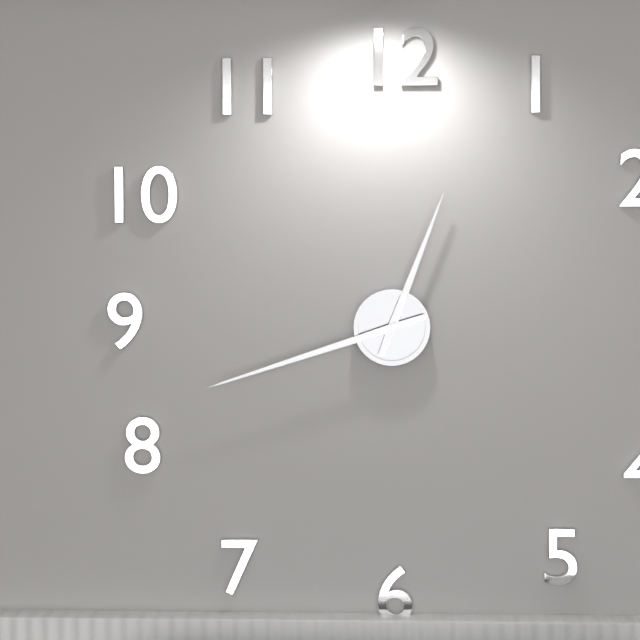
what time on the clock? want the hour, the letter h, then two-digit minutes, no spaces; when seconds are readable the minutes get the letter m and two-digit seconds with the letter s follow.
12h42
